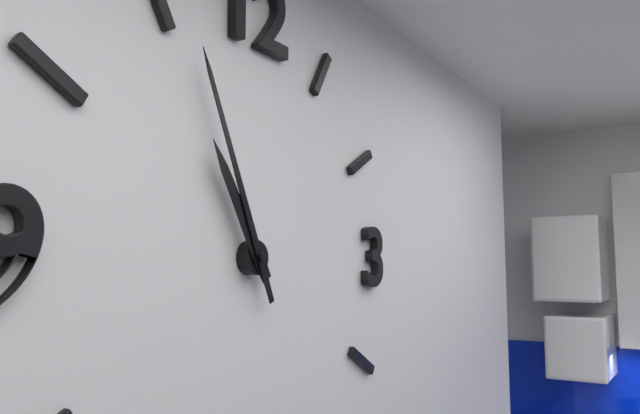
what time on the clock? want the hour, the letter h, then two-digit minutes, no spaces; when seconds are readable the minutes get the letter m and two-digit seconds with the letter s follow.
10h56
